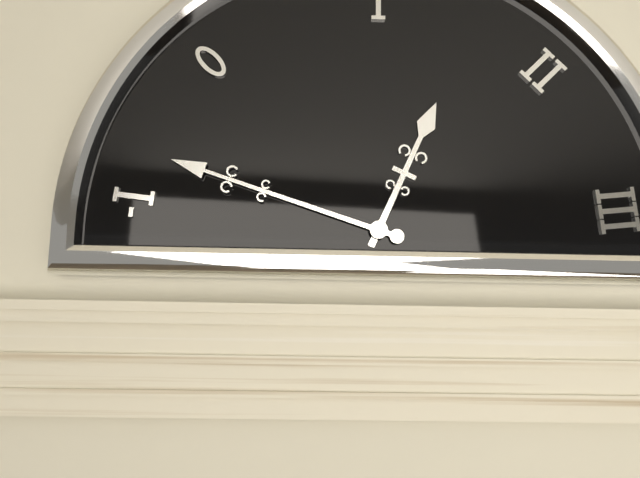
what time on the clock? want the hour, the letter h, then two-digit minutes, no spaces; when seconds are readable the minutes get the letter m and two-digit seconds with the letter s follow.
12h48
